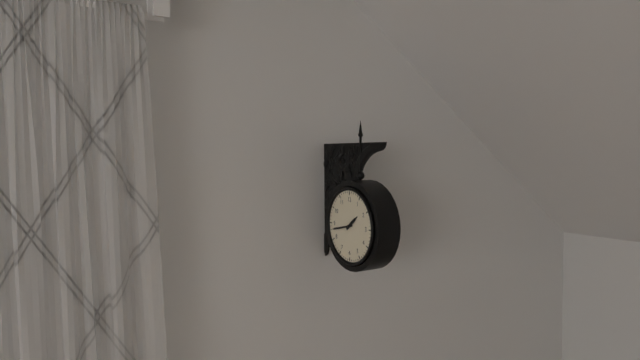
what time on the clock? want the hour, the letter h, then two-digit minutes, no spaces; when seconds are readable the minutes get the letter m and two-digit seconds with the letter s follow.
1h43
